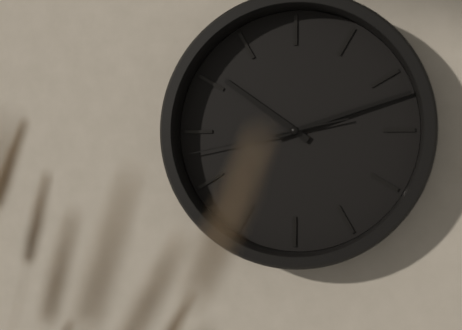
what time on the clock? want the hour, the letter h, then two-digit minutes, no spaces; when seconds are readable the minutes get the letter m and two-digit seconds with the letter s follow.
10h12m43s
